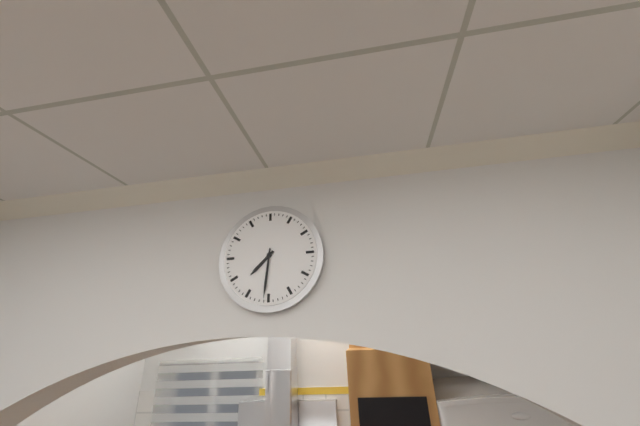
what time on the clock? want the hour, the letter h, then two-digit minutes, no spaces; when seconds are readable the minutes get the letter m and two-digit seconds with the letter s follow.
7h31
